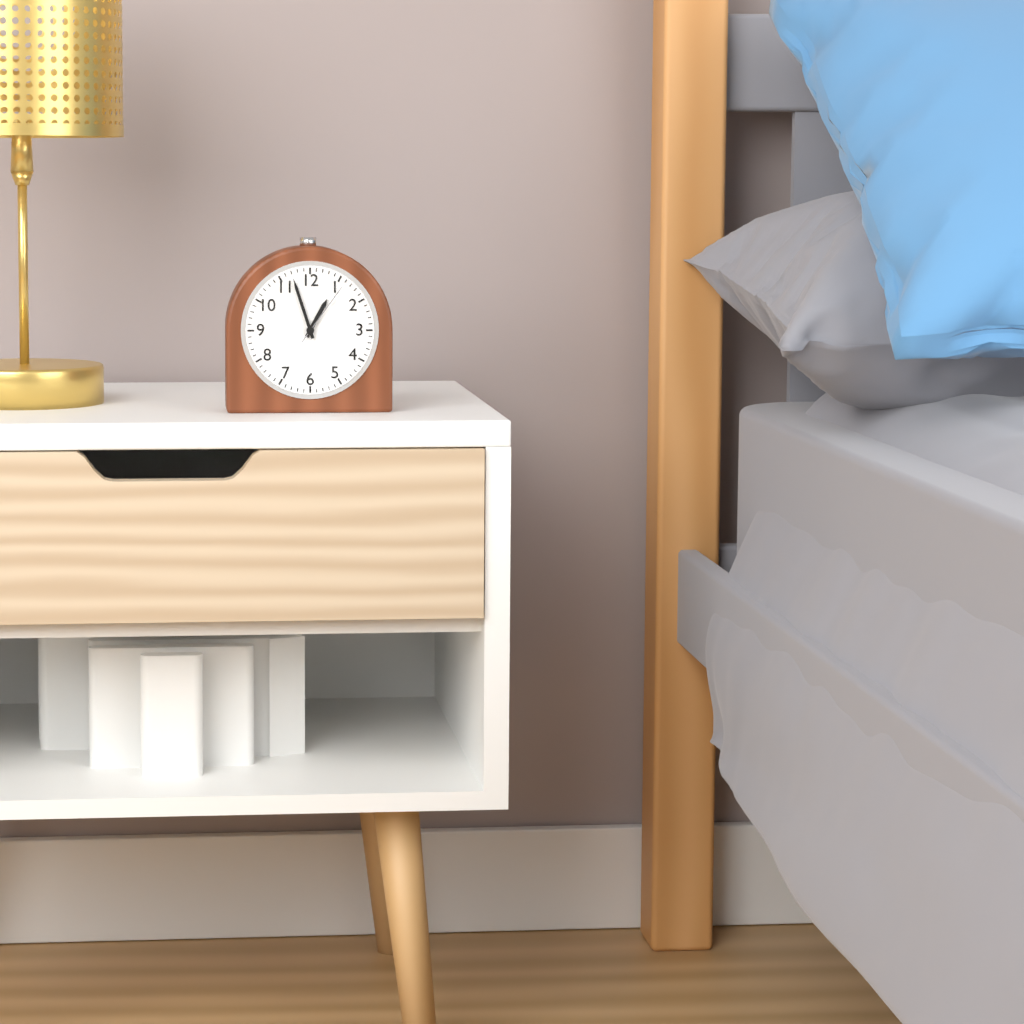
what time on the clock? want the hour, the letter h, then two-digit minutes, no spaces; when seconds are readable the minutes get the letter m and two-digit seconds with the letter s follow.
12h57m06s
